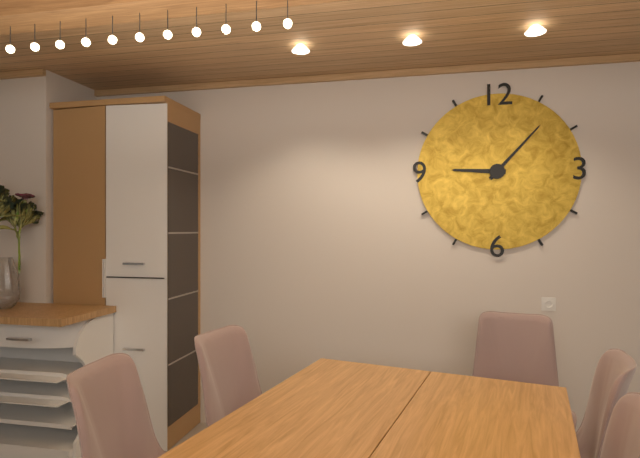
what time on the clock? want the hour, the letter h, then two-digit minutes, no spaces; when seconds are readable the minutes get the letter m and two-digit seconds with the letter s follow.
9h07
